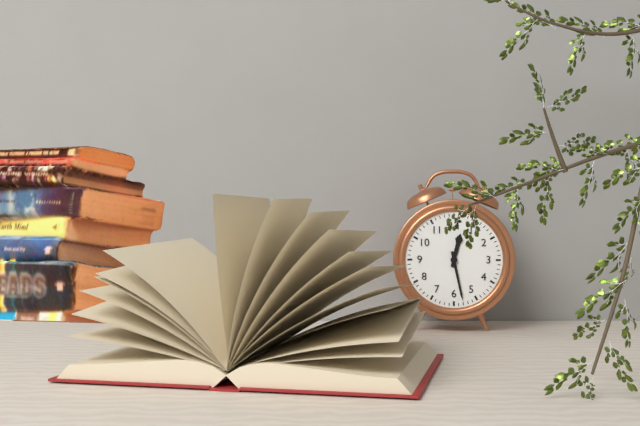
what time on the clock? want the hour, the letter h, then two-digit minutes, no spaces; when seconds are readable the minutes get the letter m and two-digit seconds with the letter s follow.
12h28
